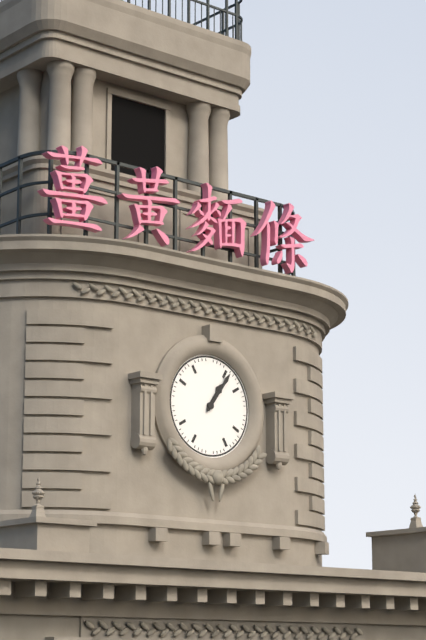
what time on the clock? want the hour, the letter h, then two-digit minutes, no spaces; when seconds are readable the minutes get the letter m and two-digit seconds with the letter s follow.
1h06
